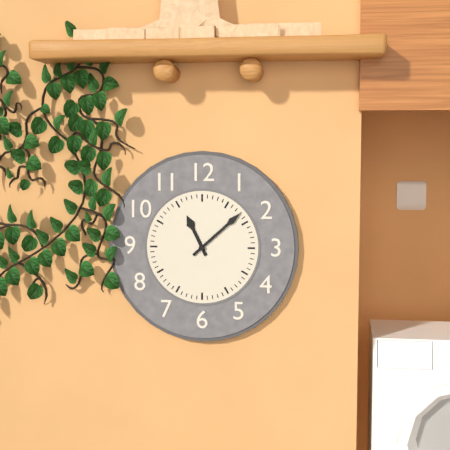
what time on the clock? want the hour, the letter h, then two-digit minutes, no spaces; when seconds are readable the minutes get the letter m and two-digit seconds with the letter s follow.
11h08
